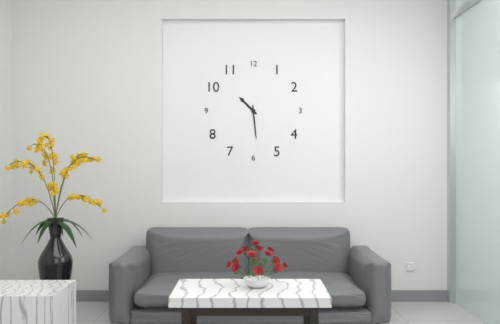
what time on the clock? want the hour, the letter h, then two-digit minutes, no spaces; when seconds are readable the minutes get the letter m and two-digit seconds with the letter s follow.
10h29
